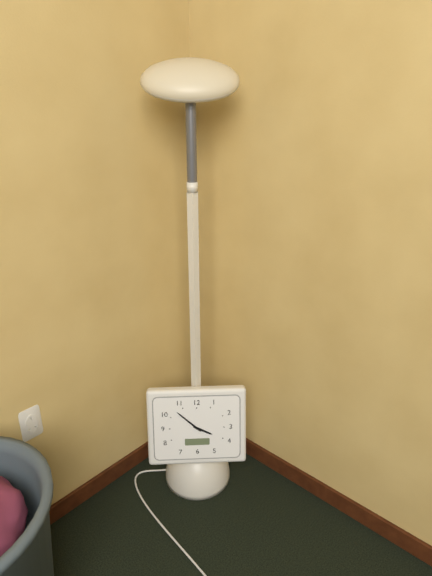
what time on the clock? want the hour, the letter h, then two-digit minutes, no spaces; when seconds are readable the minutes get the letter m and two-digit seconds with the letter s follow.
3h52
